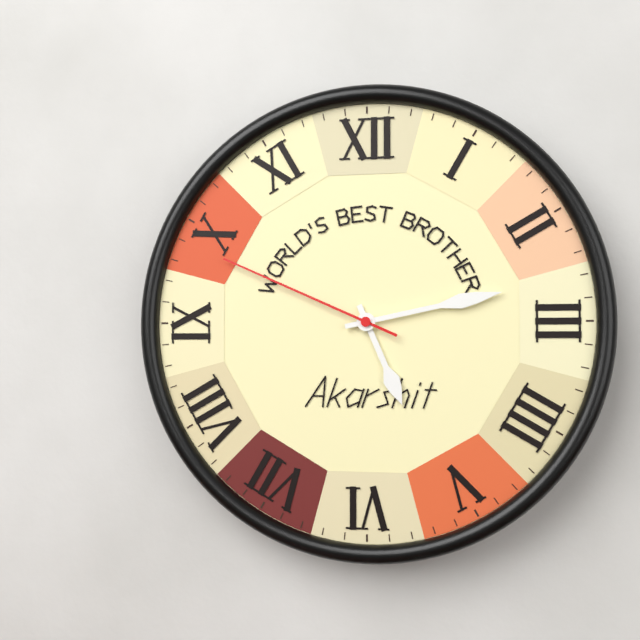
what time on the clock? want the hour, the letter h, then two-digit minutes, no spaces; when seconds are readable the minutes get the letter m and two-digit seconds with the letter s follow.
5h13m49s
